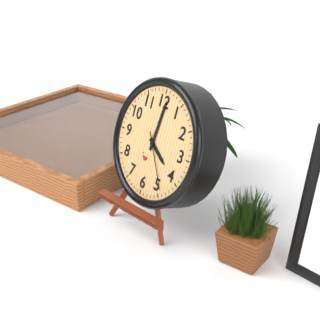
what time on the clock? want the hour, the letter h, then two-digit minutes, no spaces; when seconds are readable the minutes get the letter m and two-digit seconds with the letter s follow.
4h01m24s
